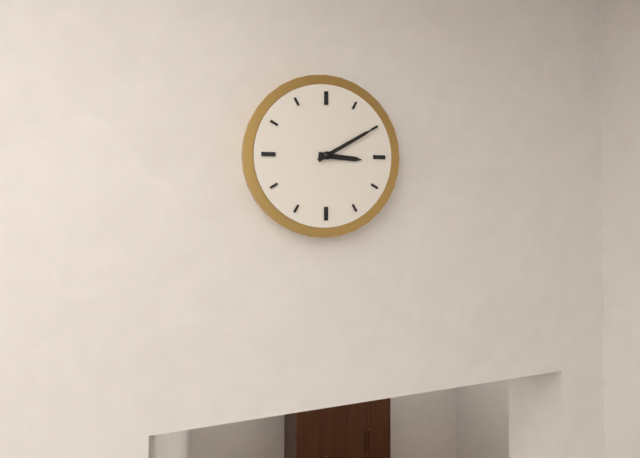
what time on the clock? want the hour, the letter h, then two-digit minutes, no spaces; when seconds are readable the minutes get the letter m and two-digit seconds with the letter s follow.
3h10
